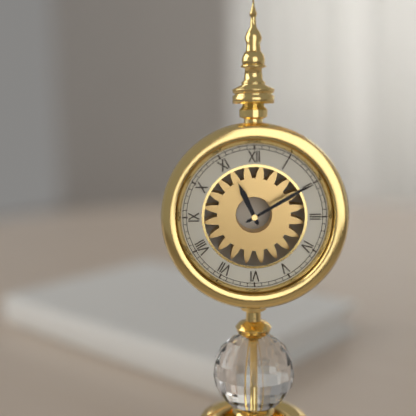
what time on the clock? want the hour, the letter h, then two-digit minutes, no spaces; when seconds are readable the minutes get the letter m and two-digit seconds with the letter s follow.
11h10
